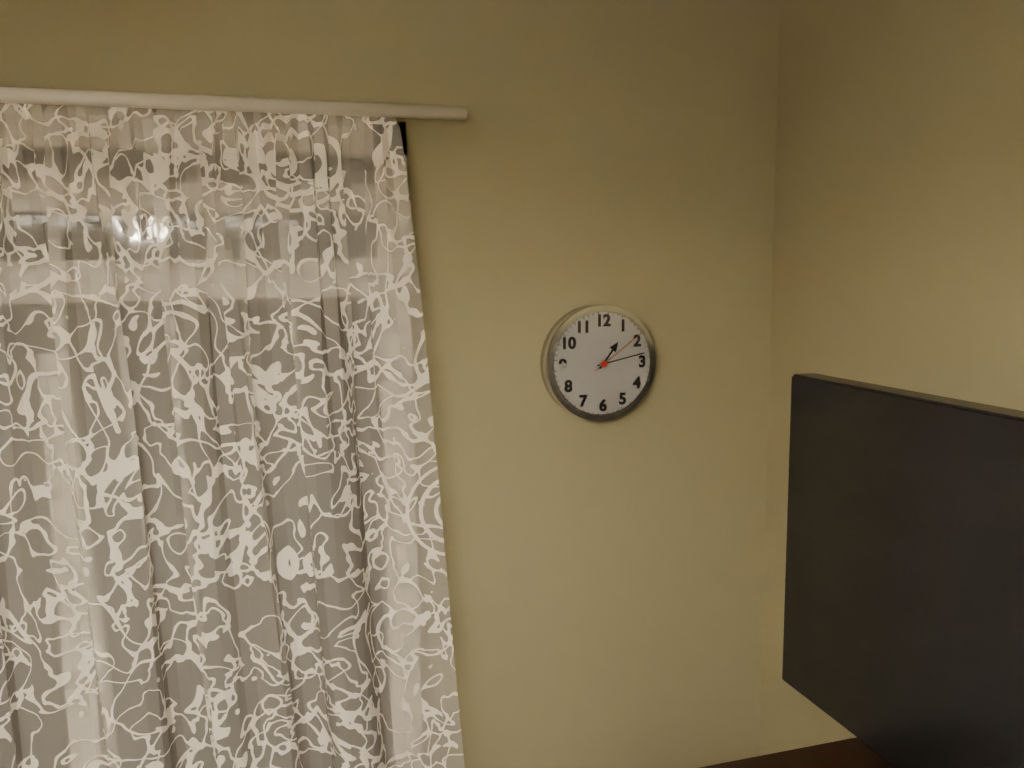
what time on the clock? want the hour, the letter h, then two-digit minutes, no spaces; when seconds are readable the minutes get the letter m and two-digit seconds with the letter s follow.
1h13m09s
